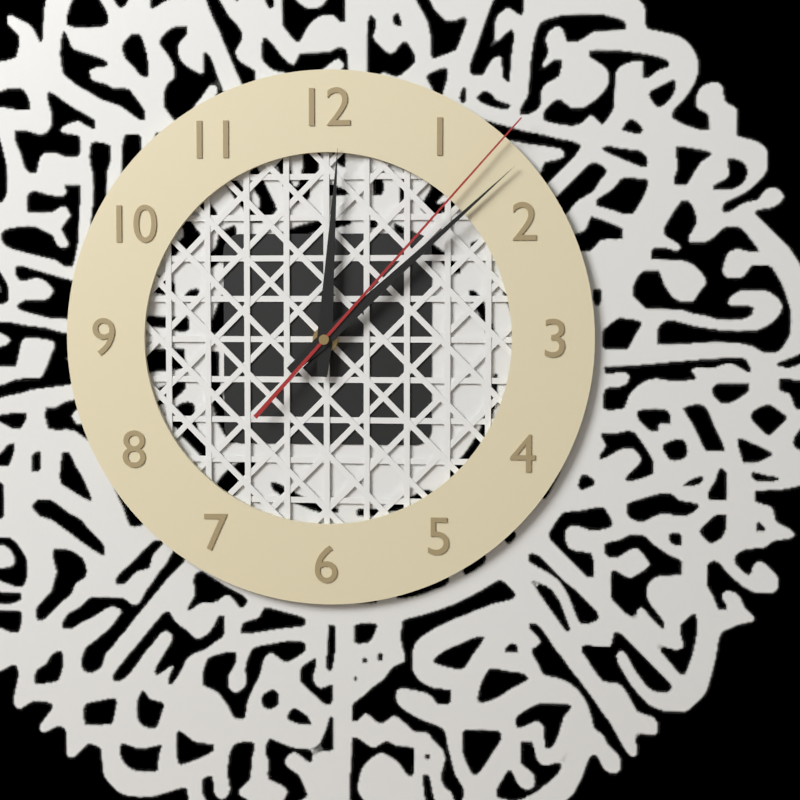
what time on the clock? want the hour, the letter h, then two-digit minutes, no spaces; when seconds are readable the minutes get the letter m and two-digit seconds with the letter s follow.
12h08m07s
